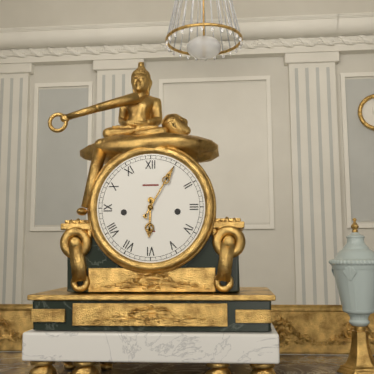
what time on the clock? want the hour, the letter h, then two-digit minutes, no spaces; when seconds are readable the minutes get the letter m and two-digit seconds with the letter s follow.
6h05
